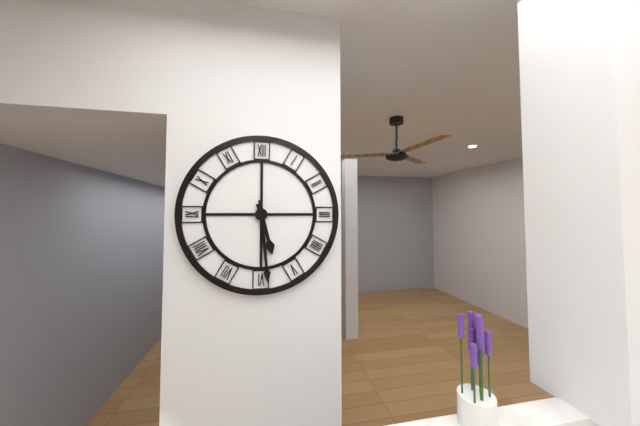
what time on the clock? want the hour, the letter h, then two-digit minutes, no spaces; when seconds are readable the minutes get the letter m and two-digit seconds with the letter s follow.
5h29
